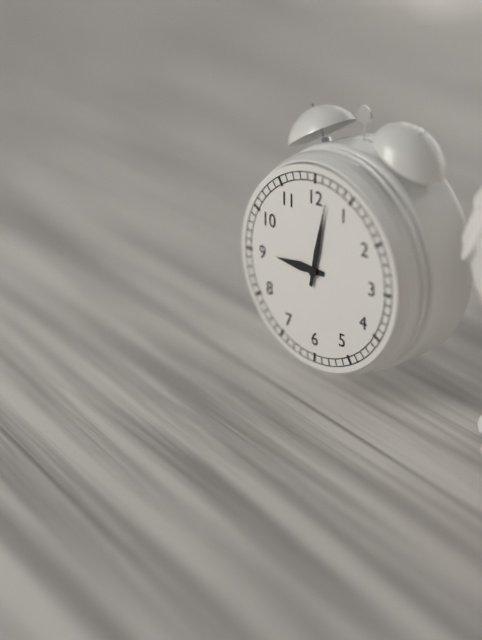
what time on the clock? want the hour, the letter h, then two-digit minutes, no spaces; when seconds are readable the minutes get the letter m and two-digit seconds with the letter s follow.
9h02
